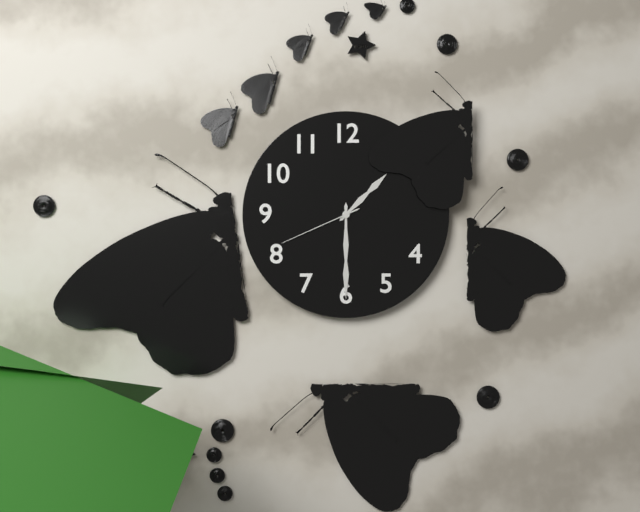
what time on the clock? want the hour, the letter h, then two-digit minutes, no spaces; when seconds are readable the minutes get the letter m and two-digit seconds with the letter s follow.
1h30m41s
